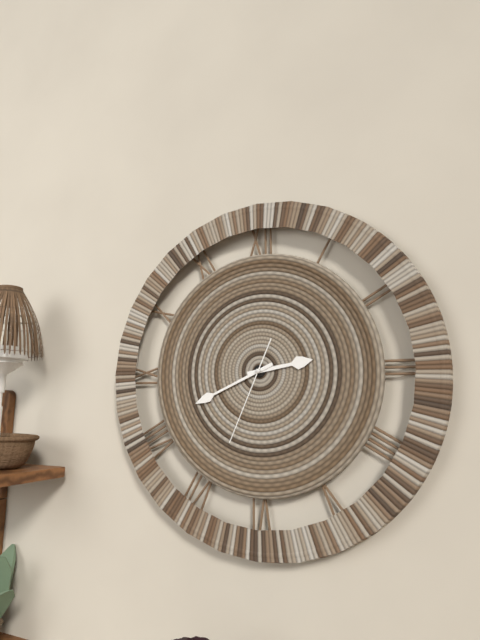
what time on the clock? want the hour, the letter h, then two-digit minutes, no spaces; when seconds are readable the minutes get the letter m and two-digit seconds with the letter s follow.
2h41m34s
